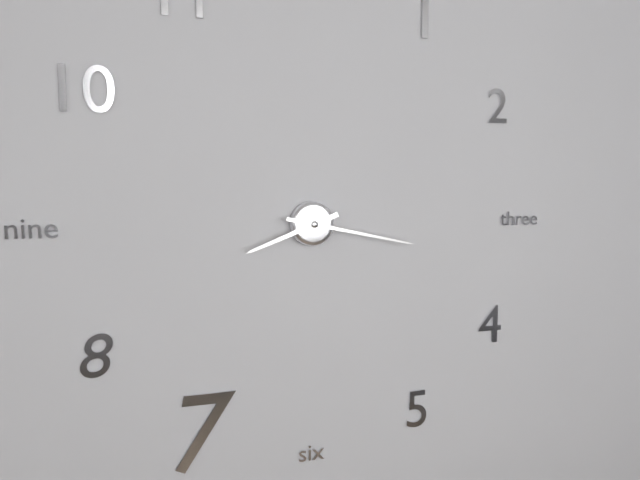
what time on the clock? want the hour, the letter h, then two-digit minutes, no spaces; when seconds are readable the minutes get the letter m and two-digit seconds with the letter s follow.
8h17
